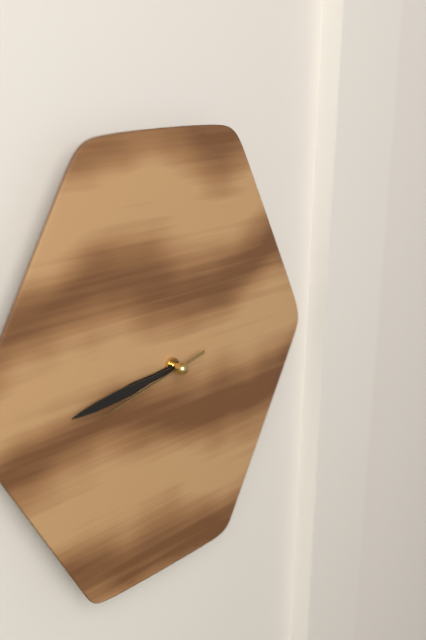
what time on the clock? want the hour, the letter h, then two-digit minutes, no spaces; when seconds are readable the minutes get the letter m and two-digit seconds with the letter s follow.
8h44m43s
